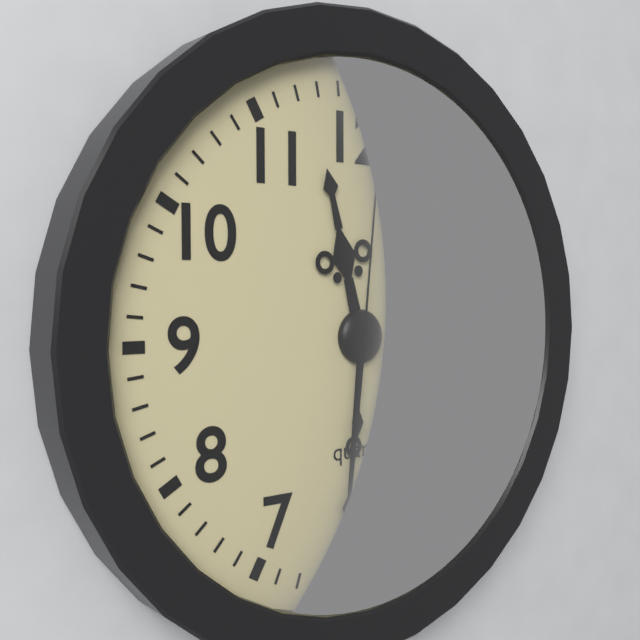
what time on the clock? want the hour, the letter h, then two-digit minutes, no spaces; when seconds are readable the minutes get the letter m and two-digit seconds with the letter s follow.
11h31m01s
